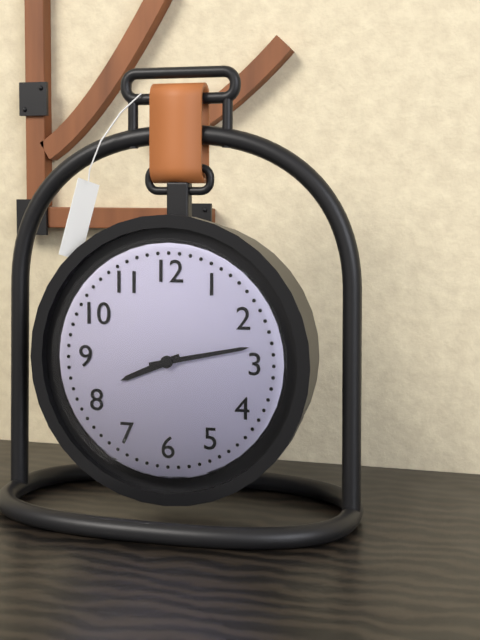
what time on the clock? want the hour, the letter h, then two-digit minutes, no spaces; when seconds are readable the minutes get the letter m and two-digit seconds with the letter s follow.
8h13
